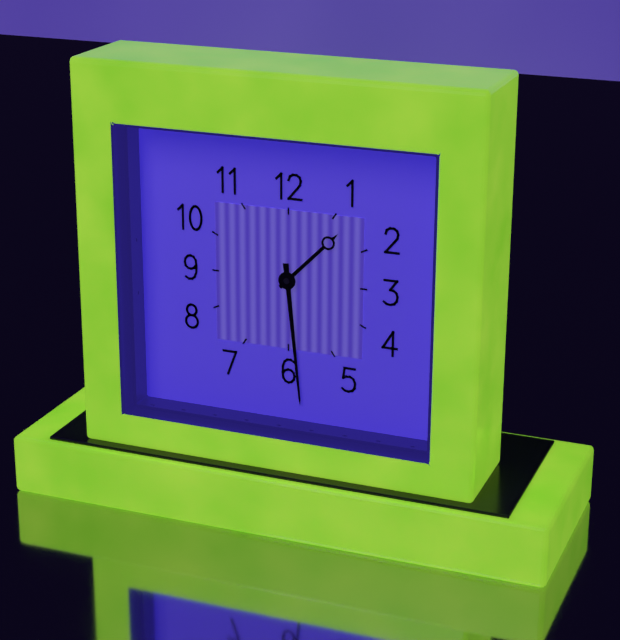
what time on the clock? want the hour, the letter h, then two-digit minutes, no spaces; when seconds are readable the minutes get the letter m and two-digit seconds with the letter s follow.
1h29
